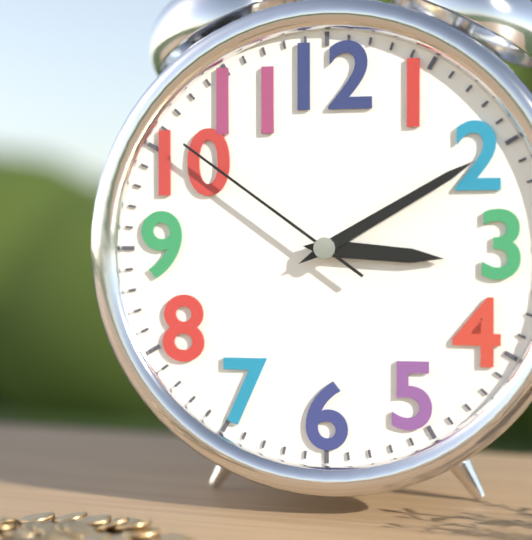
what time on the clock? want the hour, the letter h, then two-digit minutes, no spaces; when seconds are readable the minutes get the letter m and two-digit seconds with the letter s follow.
3h10m51s
